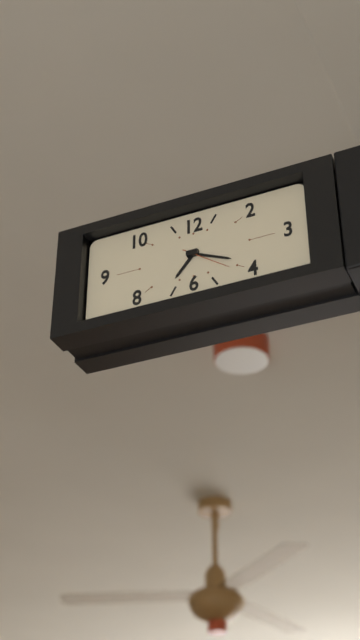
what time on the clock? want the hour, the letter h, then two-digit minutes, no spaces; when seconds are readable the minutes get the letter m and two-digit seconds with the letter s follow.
7h19m21s
